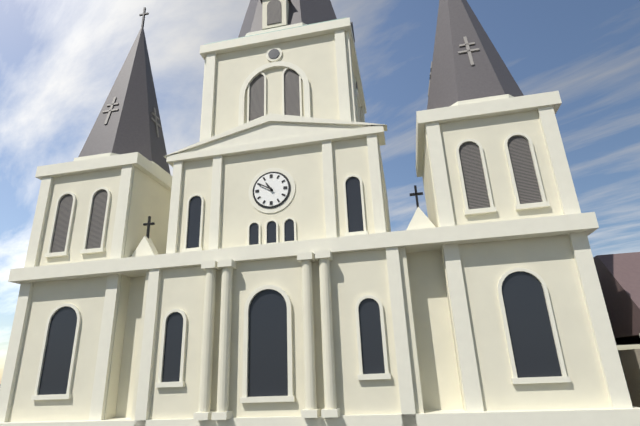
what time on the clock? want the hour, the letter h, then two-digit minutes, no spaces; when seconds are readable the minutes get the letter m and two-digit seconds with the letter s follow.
10h50
